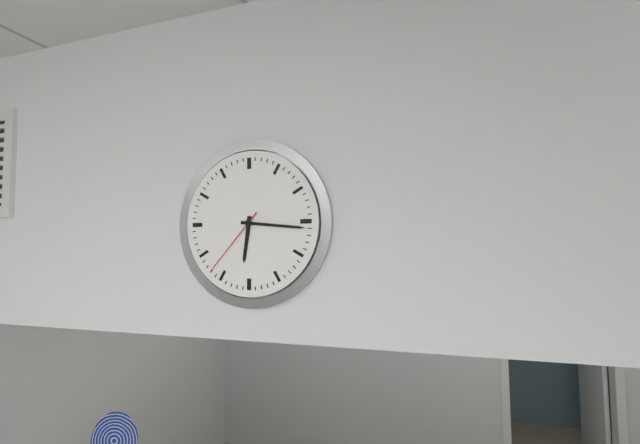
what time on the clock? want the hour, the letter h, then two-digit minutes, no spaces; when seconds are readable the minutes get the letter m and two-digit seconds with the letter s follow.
6h16m37s
